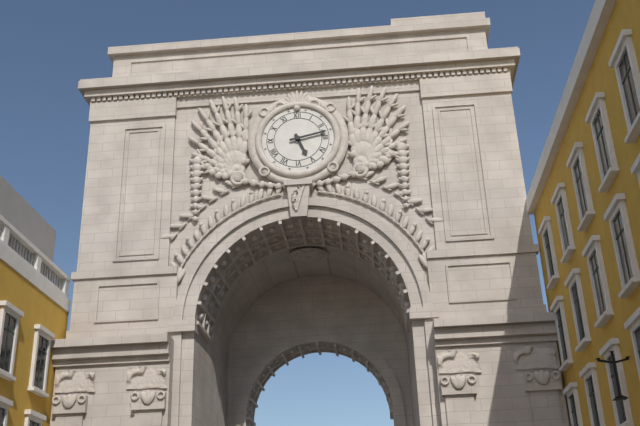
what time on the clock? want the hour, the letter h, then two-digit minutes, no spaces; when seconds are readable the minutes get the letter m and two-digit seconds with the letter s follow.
5h13
